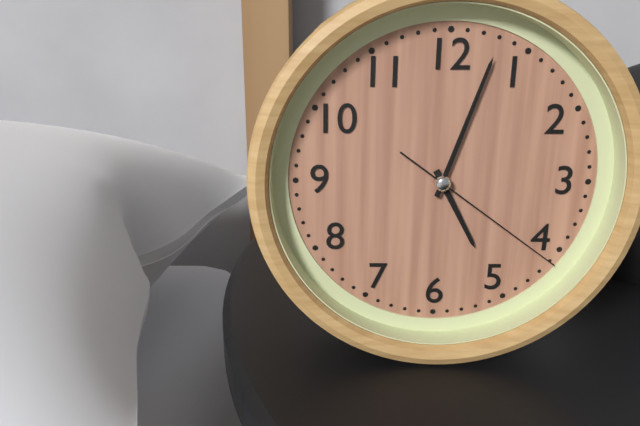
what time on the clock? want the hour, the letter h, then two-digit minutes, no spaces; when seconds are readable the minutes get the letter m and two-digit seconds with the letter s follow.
5h03m21s
